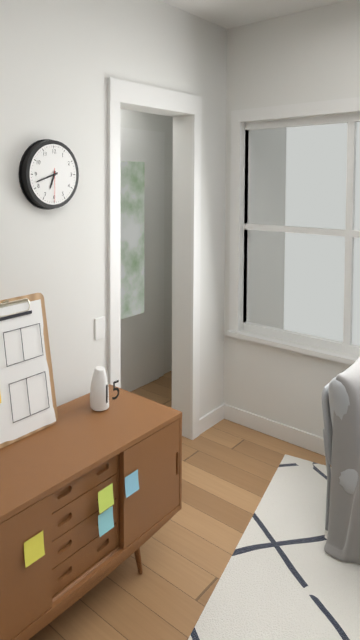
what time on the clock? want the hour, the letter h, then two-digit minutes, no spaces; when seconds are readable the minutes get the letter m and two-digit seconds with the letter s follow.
6h42
